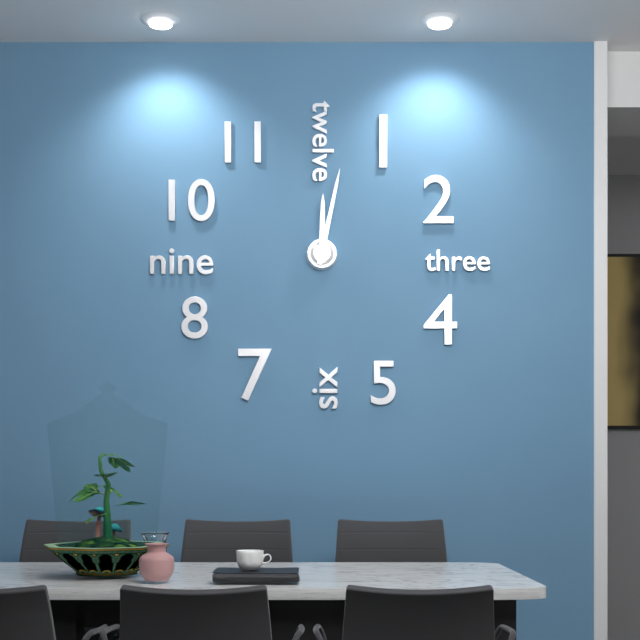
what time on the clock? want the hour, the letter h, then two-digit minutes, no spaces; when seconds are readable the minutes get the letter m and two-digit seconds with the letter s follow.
12h02
